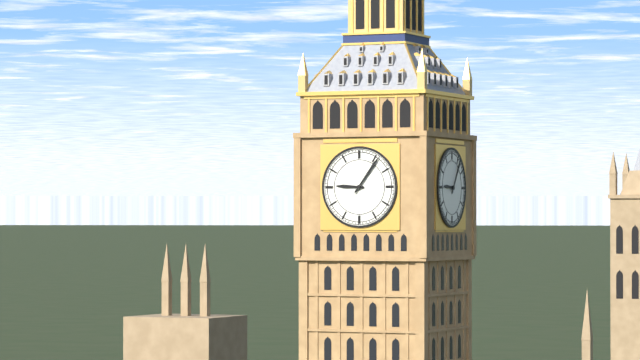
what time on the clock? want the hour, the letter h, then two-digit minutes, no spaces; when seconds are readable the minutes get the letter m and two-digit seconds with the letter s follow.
9h06
